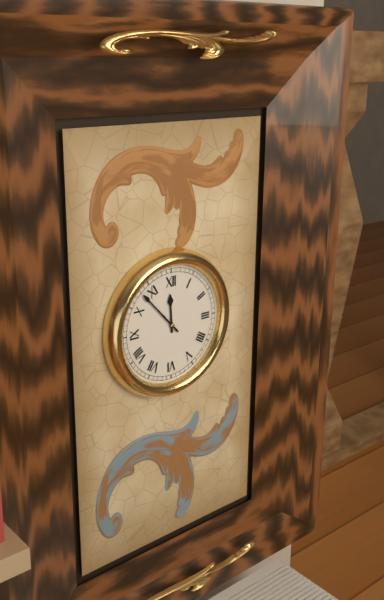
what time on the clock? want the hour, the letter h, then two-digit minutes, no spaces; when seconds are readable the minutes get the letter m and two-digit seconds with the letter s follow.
11h53
